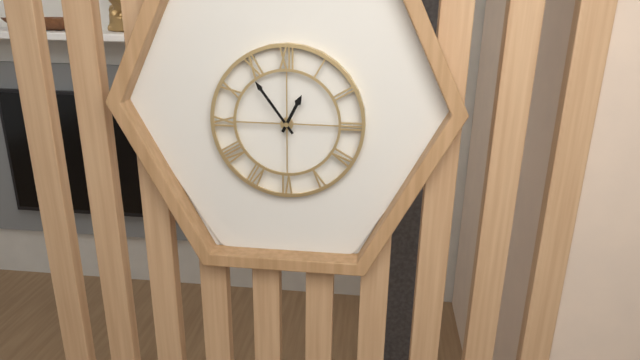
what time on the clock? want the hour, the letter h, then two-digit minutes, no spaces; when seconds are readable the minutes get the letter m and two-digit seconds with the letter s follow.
12h54
